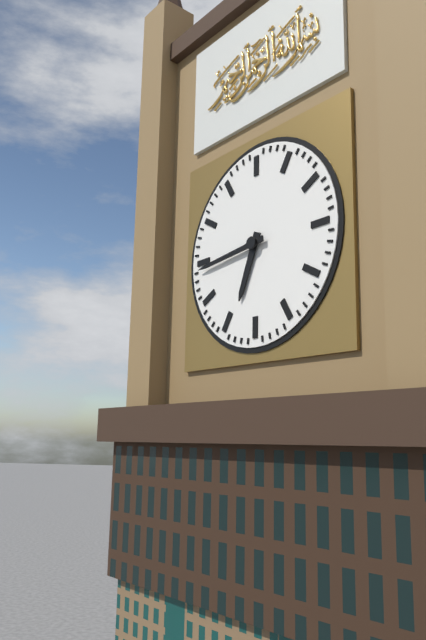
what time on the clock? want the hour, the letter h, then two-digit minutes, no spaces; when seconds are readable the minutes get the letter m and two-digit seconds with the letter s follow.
6h44
